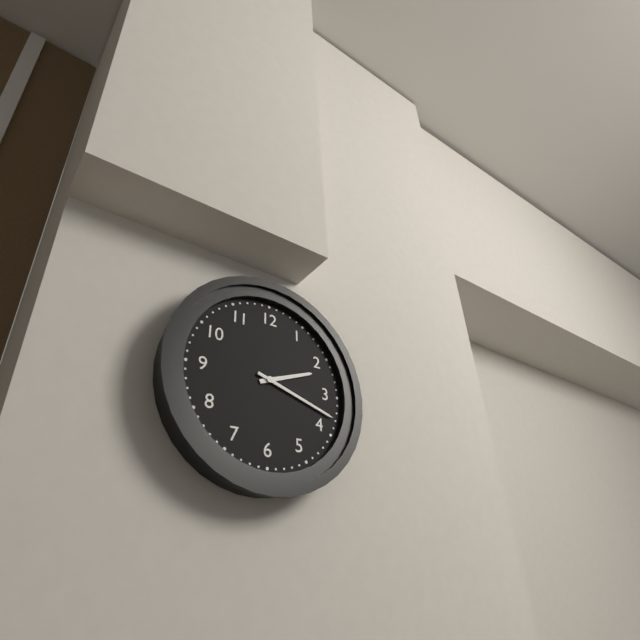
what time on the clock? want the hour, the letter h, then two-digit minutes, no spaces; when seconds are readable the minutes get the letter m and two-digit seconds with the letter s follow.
2h18
